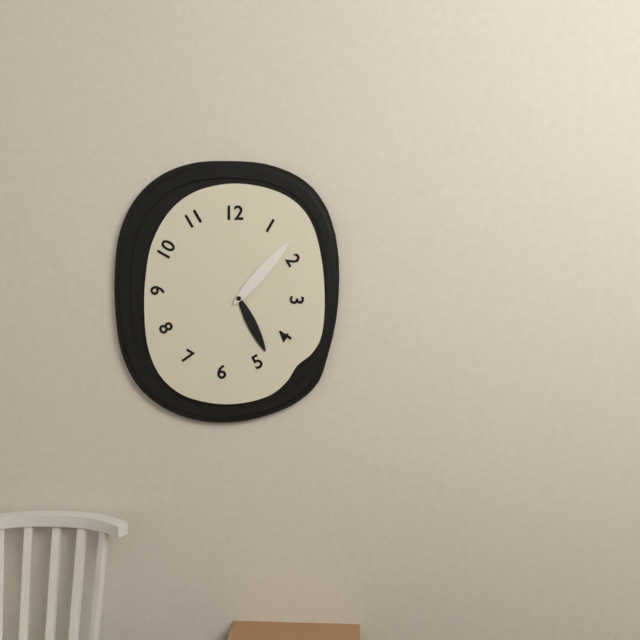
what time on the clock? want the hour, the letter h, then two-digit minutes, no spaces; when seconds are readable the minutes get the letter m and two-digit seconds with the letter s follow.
5h07
